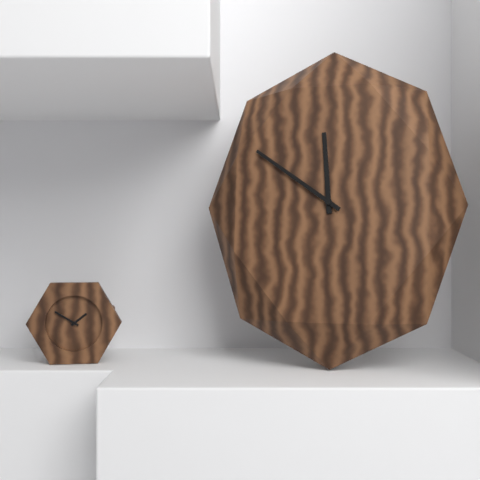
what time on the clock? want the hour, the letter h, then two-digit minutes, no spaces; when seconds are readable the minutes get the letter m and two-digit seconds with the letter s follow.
11h51
